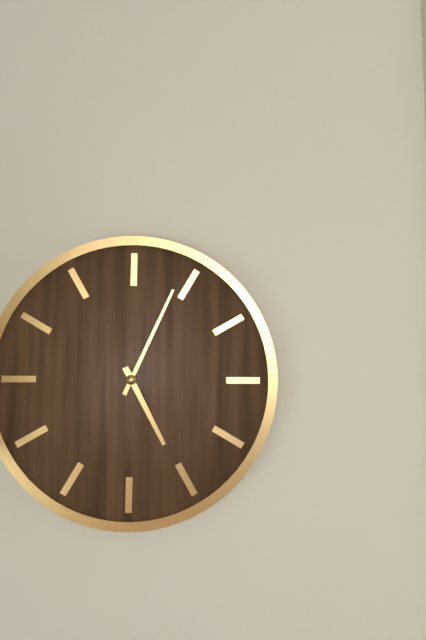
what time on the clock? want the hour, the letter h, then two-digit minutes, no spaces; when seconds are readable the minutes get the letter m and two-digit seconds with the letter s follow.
5h04
